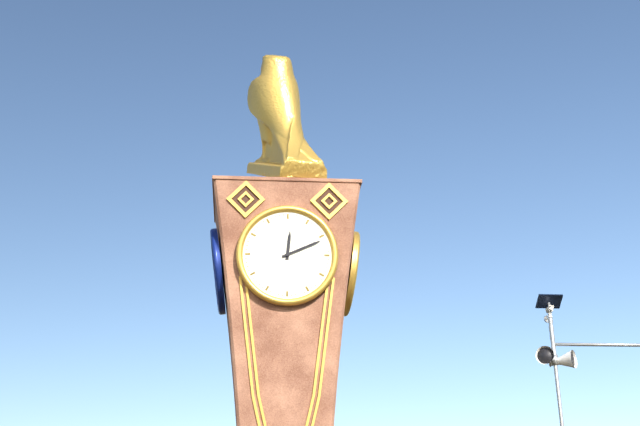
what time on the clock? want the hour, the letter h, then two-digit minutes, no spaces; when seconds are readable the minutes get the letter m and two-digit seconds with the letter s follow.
12h11
